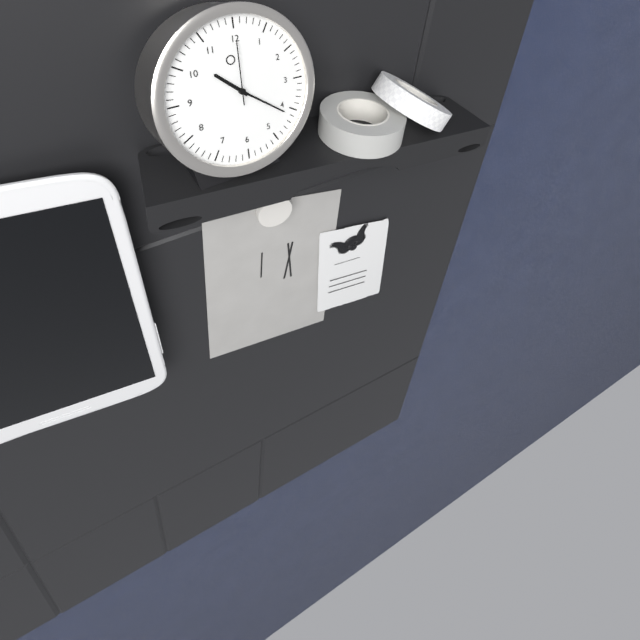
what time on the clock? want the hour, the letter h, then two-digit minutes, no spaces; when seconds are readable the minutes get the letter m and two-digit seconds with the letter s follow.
10h21m00s
